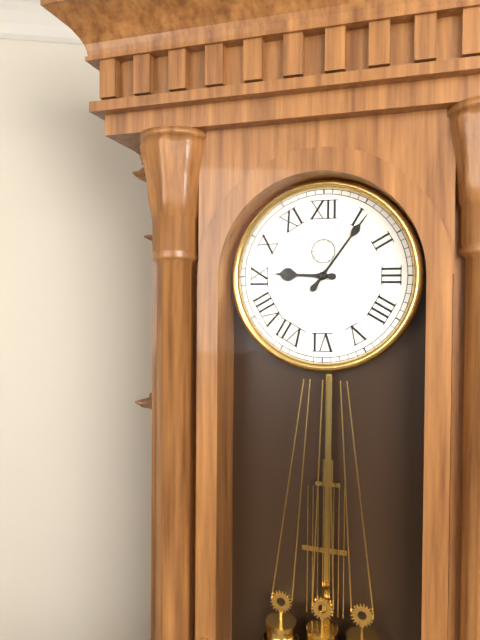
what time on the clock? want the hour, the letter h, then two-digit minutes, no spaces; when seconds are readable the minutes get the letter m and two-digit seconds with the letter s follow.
9h06
